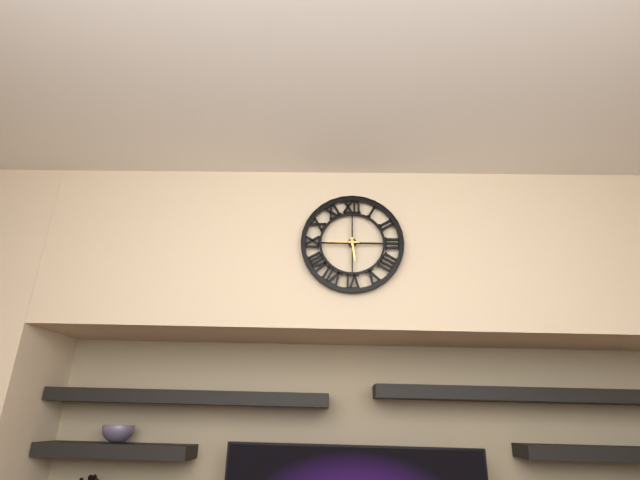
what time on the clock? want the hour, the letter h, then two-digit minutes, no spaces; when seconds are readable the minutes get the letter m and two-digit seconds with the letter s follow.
5h45
